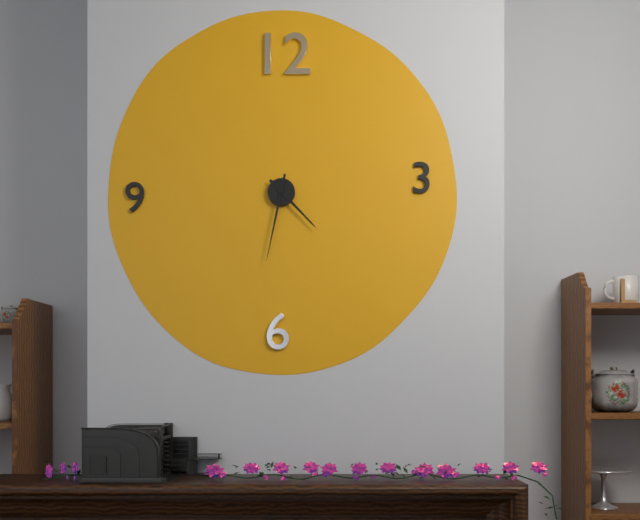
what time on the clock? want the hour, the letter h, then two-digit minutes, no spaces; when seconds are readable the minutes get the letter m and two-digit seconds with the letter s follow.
4h32
